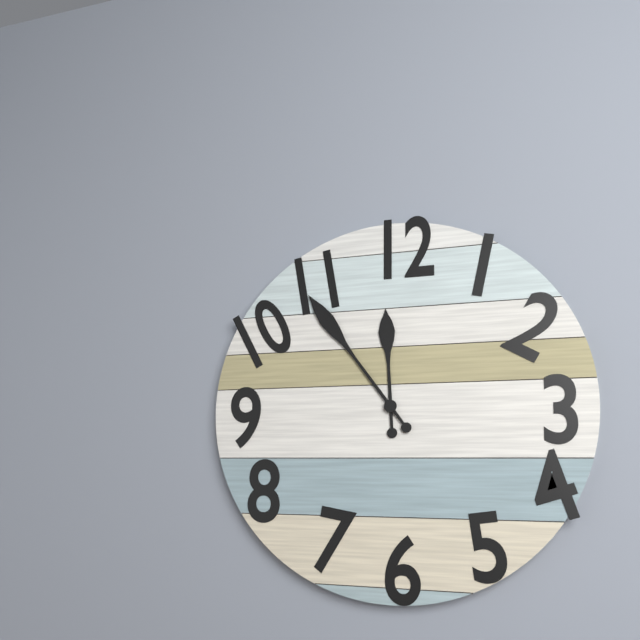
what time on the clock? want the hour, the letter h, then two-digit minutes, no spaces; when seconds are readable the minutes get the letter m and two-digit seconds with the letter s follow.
11h54
